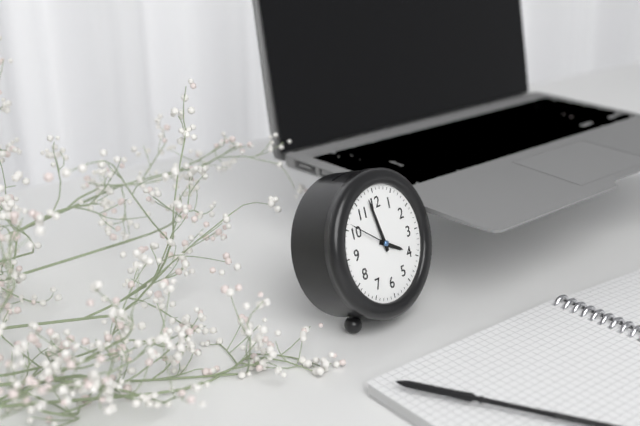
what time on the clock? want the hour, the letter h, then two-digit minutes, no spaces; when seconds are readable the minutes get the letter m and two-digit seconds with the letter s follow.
3h58m51s
